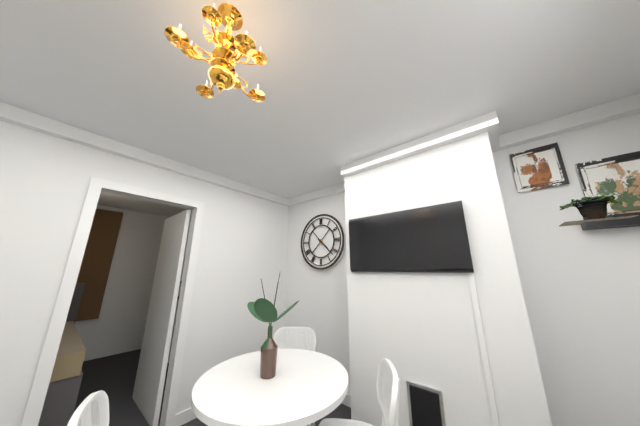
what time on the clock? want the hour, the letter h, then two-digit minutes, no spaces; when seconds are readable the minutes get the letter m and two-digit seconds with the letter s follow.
4h22
